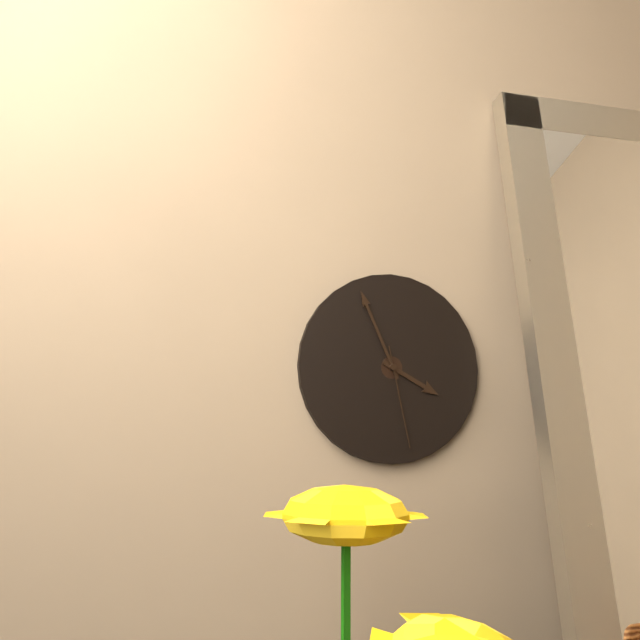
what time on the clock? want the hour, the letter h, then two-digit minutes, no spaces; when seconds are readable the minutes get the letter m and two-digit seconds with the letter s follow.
3h56m28s
